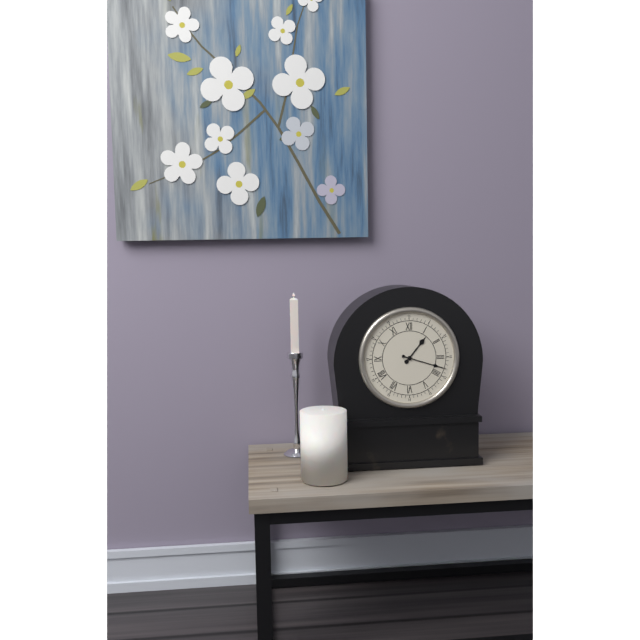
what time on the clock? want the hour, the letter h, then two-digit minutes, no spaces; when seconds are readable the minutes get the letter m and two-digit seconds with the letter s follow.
1h18
